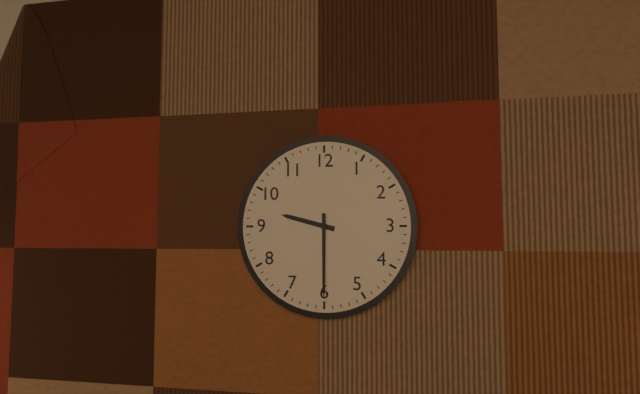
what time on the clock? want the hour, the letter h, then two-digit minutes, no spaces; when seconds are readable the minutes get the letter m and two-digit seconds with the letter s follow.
9h30
